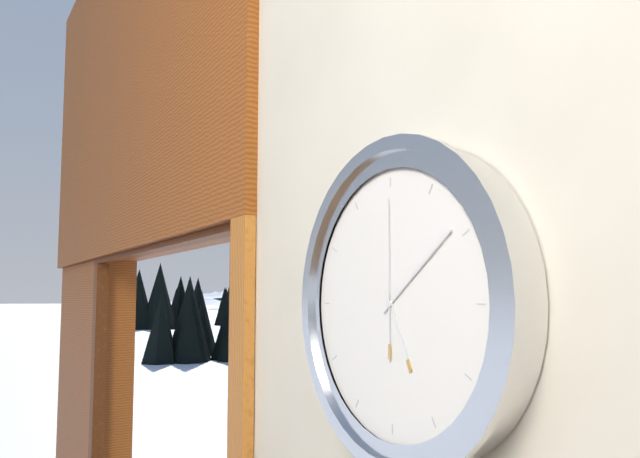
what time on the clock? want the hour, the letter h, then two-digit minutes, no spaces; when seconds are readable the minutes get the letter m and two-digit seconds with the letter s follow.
5h09m00s
